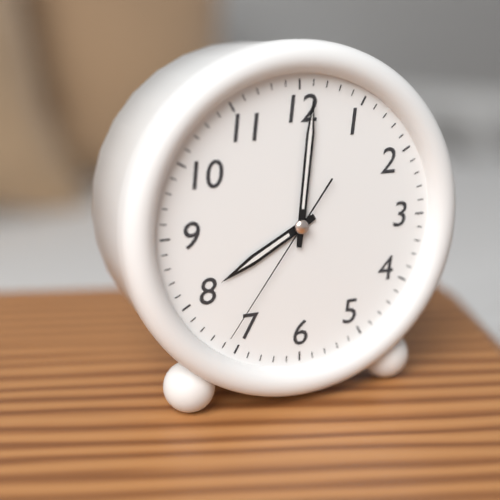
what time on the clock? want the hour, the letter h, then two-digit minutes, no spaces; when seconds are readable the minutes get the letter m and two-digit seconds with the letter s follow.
8h01m36s
